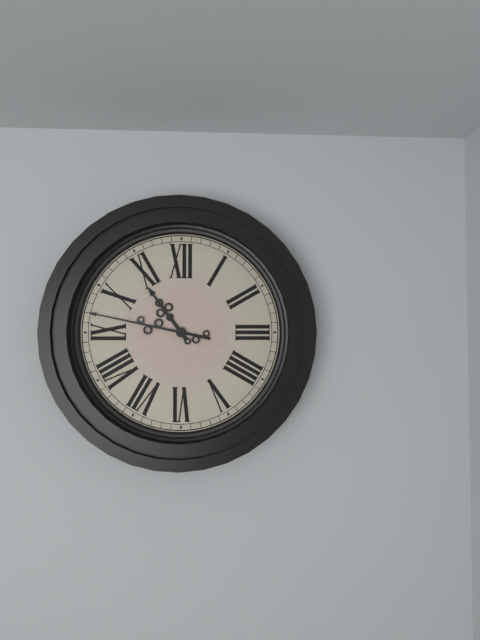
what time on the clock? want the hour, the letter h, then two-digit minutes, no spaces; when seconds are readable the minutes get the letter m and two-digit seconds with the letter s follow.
10h47
